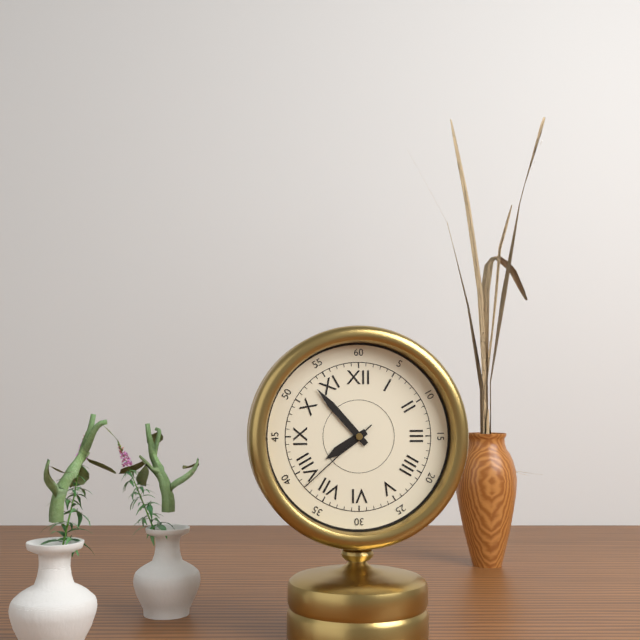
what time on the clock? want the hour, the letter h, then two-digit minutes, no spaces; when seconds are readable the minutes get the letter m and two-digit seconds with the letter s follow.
7h53m38s
